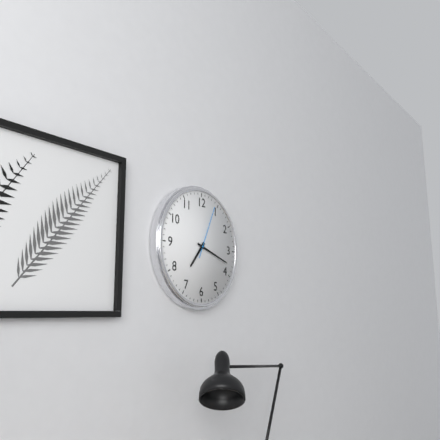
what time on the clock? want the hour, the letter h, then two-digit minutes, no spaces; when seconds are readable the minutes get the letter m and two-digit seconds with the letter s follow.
7h18m04s
